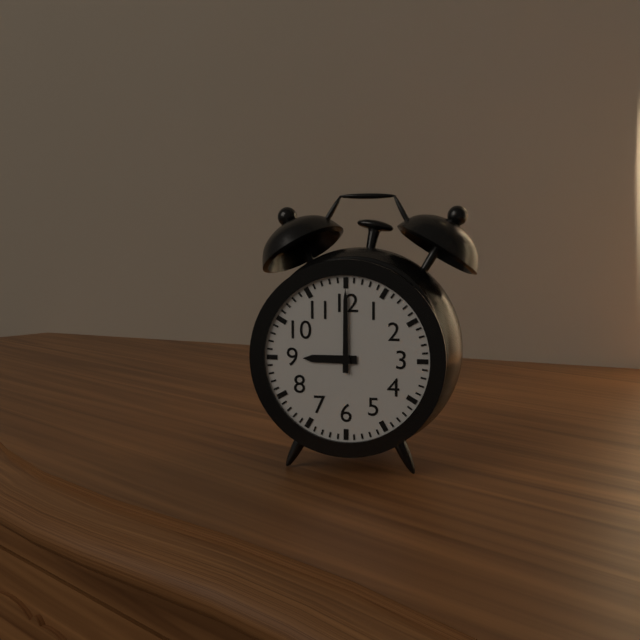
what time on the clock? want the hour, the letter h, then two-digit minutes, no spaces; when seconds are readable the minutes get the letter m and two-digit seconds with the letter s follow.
9h00
